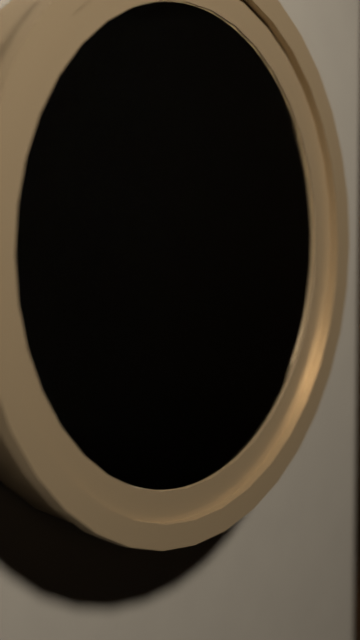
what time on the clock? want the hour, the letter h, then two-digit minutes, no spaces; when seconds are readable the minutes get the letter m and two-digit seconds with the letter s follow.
12h34m01s
